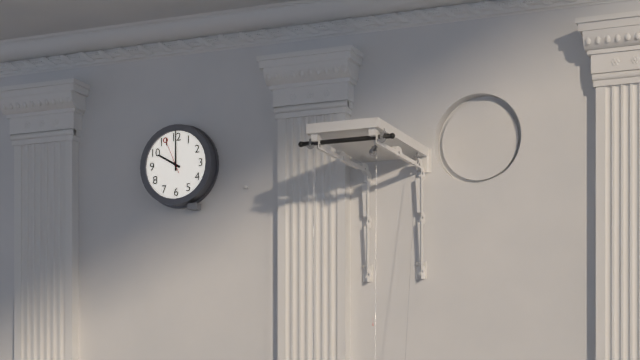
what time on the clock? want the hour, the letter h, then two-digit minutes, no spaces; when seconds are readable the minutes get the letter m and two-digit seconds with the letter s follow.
10h00
